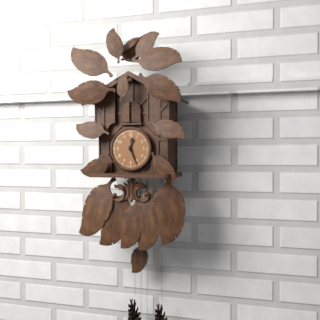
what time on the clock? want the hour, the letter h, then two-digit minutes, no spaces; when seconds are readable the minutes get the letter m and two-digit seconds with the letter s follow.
12h26
